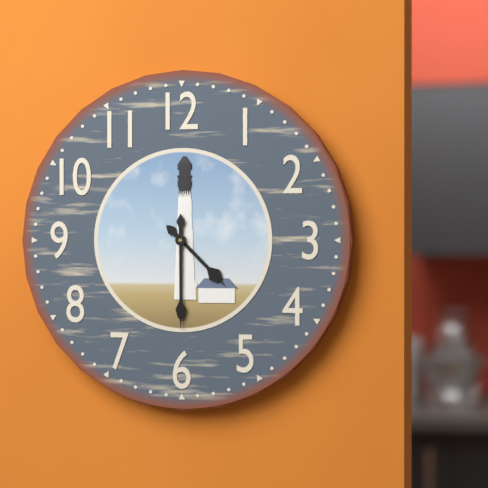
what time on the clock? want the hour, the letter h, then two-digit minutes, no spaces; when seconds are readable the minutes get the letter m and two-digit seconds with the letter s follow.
4h30
